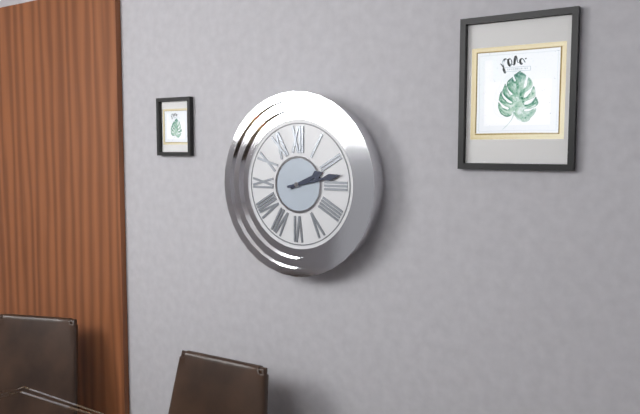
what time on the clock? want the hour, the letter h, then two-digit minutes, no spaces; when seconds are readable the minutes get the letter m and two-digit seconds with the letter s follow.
2h13
